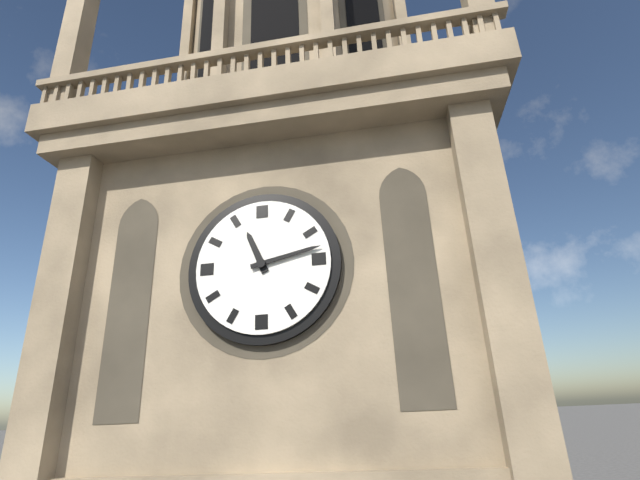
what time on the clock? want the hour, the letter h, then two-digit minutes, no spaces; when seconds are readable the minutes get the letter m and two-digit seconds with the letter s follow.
11h13
